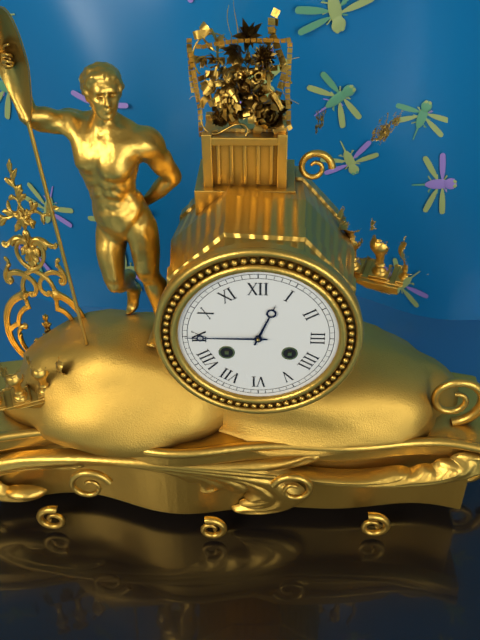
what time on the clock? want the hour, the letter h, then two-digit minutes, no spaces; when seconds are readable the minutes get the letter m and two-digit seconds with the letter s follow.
12h45
